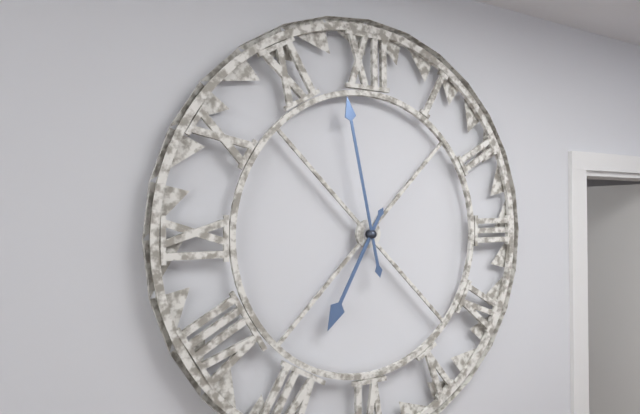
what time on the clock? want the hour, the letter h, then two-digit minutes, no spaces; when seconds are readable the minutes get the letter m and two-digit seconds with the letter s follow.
6h58
